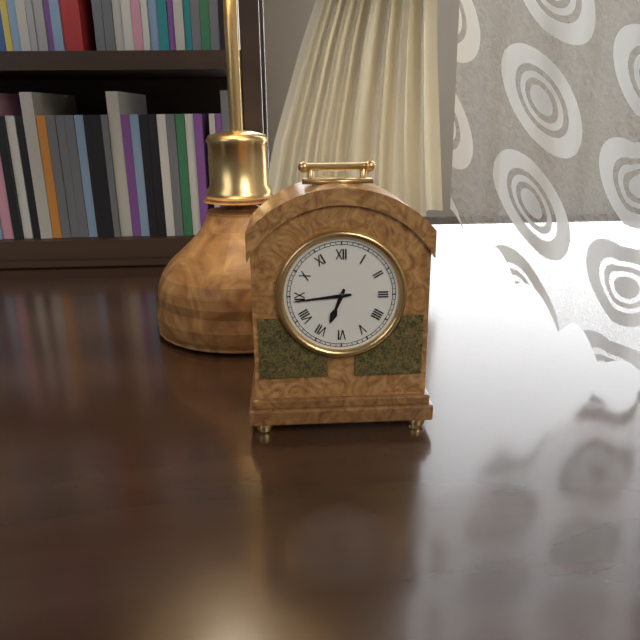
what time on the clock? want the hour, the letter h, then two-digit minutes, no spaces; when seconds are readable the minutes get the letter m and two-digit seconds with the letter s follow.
6h44
